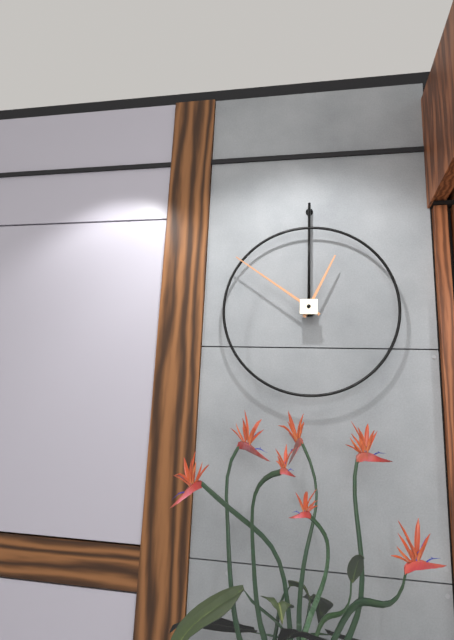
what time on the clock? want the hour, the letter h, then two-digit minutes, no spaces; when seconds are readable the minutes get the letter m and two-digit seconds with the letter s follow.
12h51
